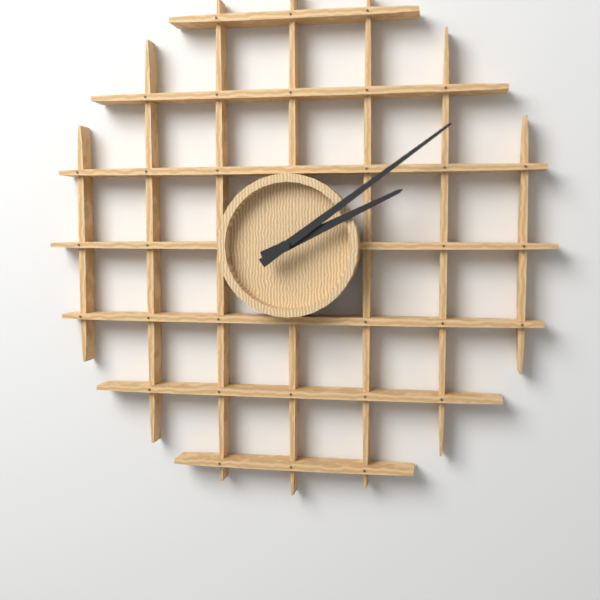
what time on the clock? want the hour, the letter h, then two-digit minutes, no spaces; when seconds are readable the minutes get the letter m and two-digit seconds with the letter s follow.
2h09
